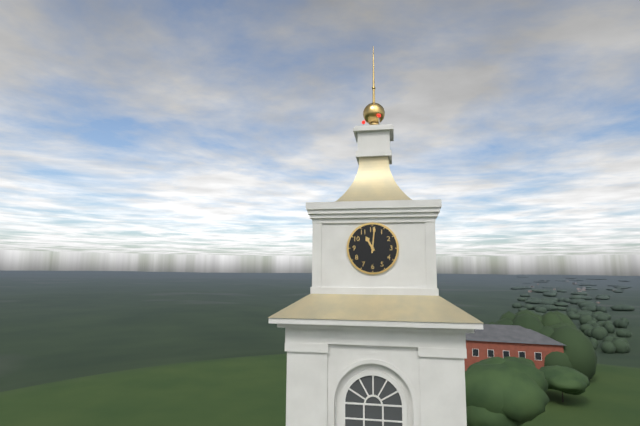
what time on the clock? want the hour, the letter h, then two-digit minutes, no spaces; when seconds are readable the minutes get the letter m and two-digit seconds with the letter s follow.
11h01
